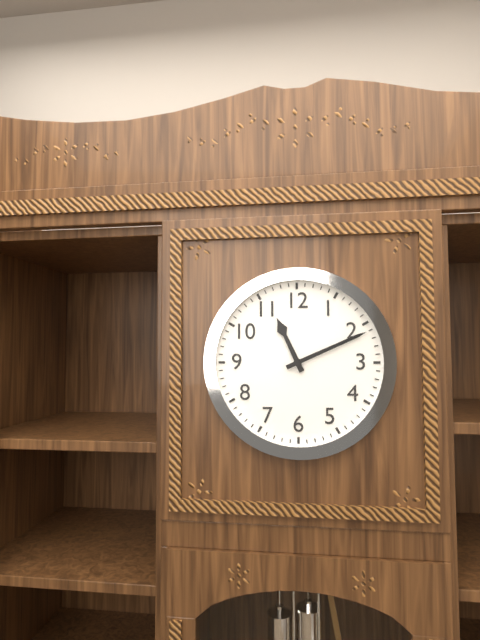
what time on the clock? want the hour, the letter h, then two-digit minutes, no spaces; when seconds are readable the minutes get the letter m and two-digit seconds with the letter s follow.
11h11
